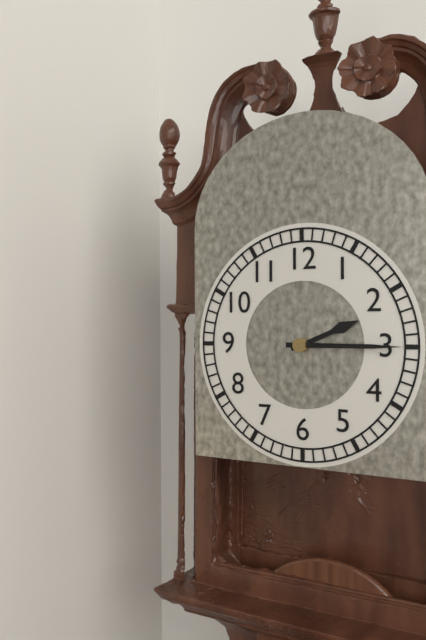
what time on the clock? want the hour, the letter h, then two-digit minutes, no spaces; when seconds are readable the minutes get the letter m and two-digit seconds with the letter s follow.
2h15
